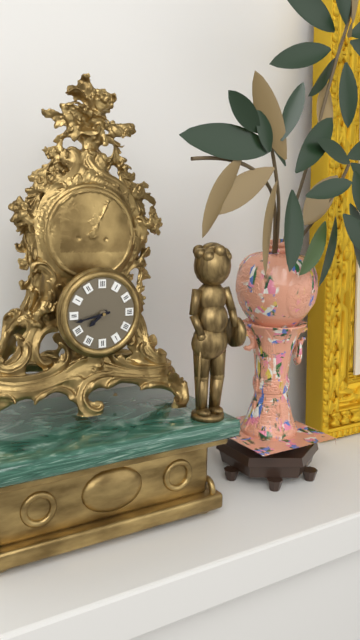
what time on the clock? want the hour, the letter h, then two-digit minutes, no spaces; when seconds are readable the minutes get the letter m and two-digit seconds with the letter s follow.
7h43
